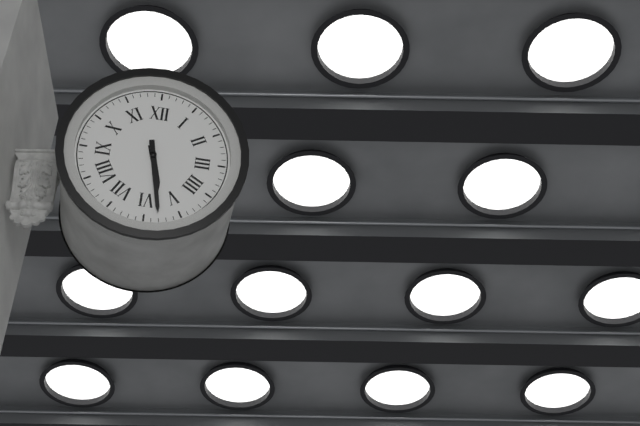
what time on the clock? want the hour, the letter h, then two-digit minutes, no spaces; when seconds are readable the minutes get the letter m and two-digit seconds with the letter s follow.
5h28
